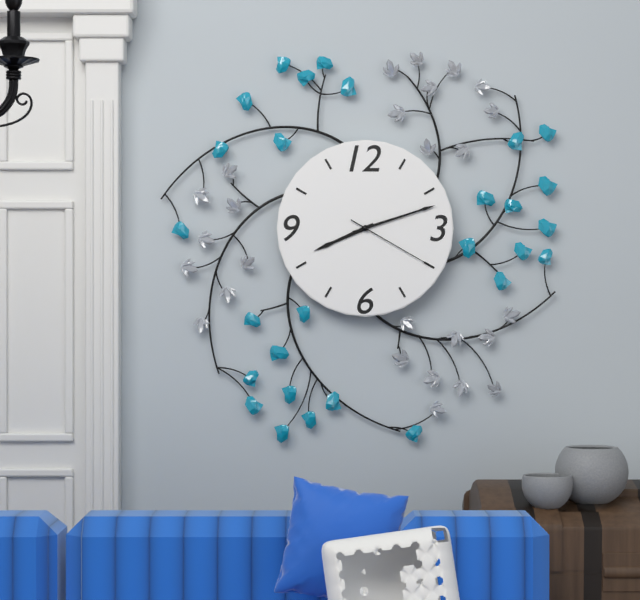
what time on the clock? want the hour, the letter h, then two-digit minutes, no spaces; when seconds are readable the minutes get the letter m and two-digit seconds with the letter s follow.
8h12m20s
